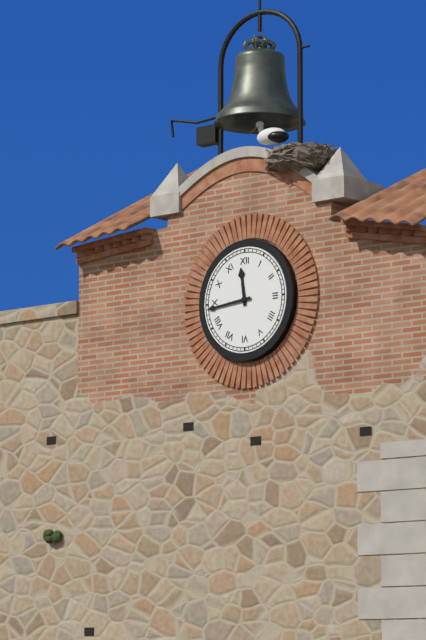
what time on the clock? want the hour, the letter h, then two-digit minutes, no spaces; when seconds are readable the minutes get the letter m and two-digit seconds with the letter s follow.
11h44
